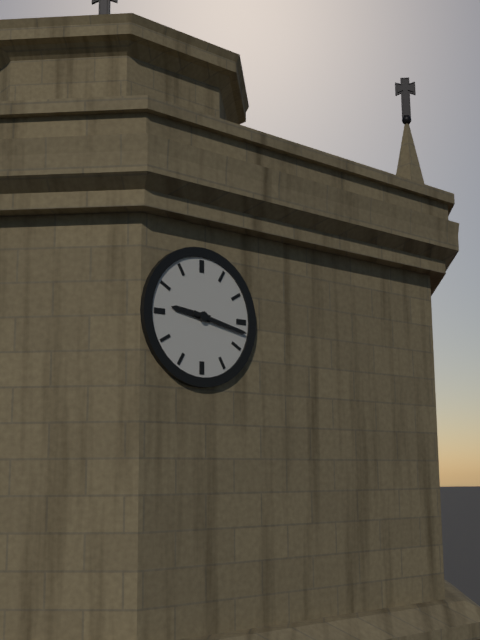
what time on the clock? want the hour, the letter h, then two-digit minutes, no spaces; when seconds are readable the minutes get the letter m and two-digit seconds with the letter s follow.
9h17
